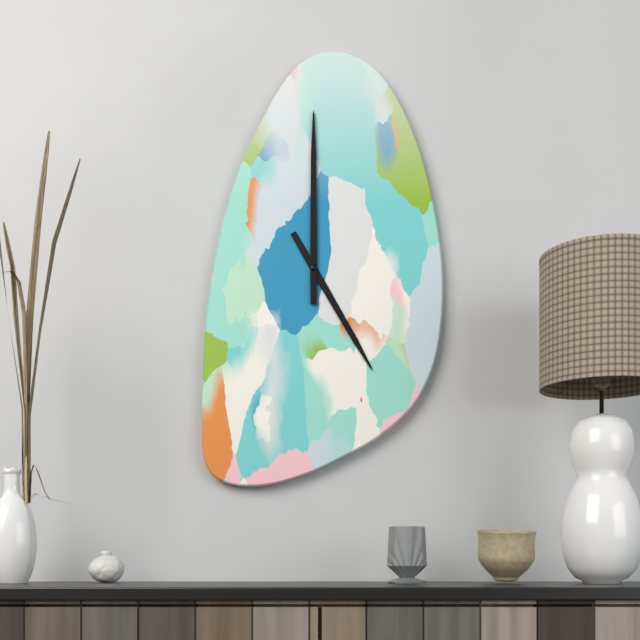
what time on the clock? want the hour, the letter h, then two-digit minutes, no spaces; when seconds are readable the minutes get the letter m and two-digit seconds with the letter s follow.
5h00
